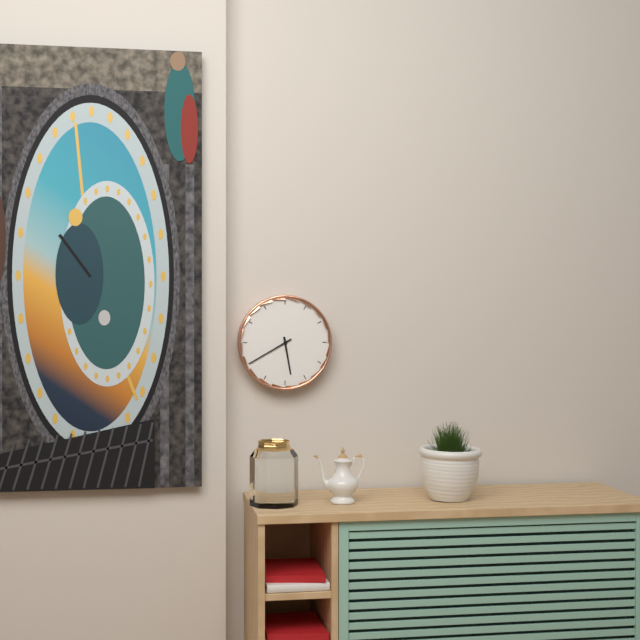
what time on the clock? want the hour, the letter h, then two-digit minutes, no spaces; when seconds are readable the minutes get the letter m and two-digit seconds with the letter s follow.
5h40
